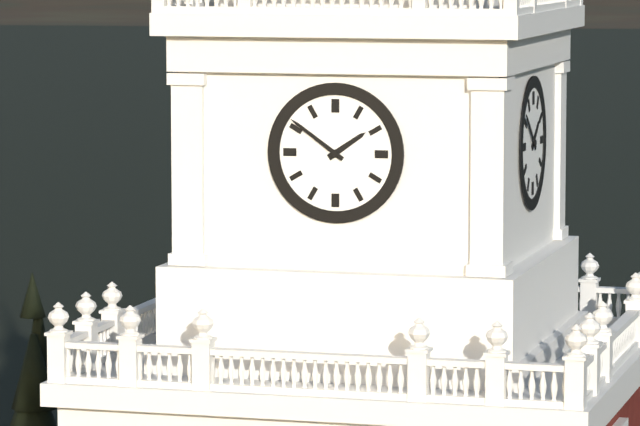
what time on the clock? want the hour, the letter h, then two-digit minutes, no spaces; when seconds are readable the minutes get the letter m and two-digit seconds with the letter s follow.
1h51
